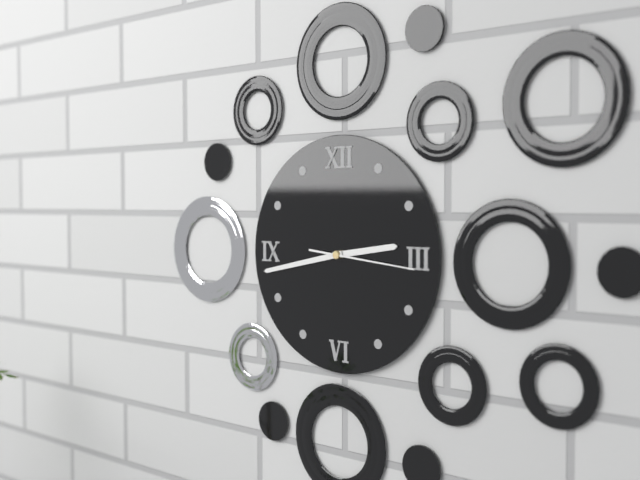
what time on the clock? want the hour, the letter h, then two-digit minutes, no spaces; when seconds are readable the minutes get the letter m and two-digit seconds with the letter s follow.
2h43m16s
